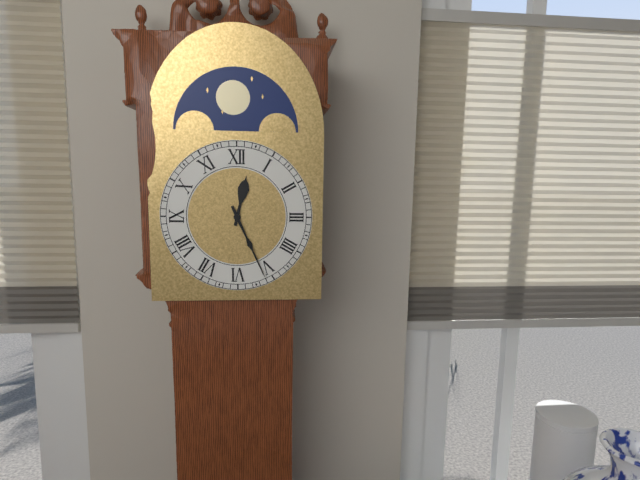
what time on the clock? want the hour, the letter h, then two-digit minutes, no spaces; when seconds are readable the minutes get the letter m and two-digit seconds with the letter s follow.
12h26
